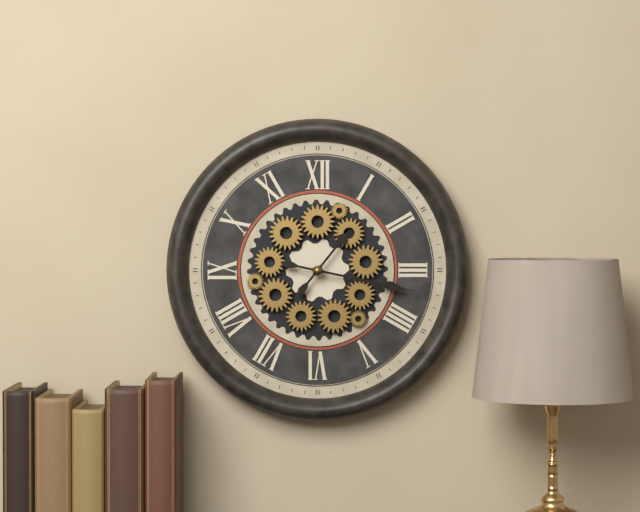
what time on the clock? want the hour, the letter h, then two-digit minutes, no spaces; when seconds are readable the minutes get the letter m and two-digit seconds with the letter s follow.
1h17
